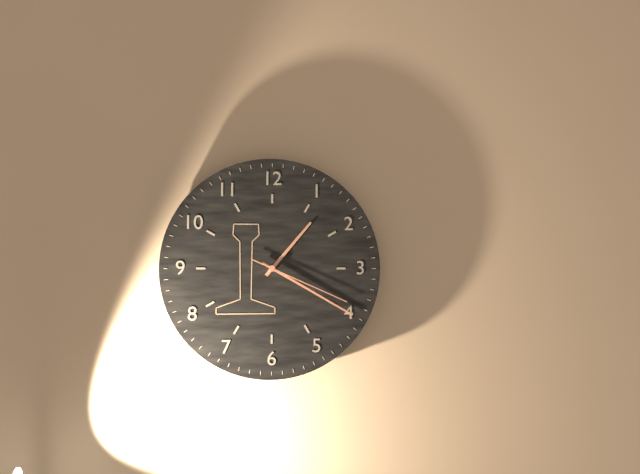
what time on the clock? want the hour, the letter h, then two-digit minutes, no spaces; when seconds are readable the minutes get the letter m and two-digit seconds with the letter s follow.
1h20m19s
